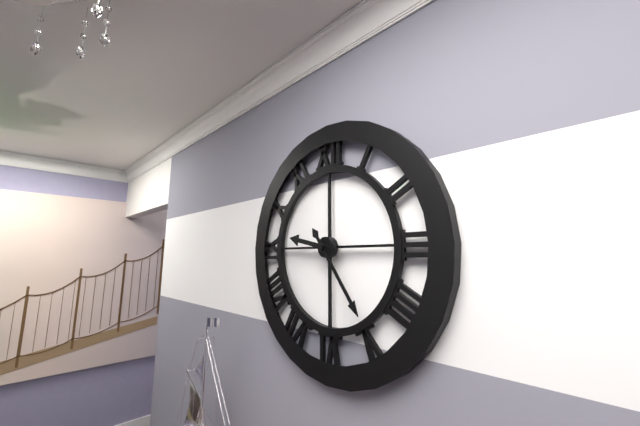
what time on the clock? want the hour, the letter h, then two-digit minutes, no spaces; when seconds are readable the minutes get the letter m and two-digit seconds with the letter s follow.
9h24
